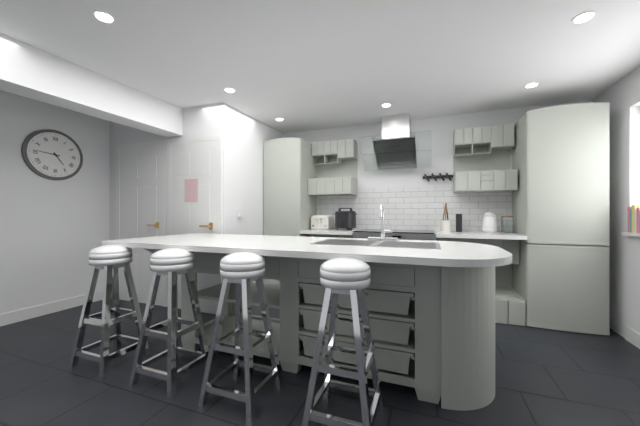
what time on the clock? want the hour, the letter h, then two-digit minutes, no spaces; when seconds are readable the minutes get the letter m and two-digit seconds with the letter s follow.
4h46
